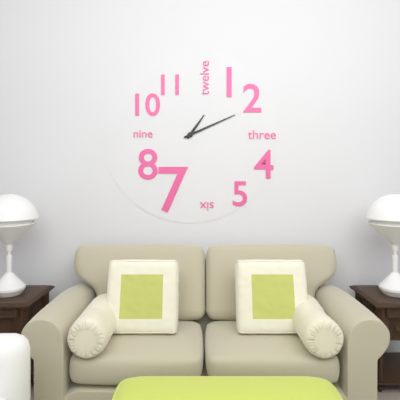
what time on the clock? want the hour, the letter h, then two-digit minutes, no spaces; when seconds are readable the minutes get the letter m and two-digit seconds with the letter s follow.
1h11
